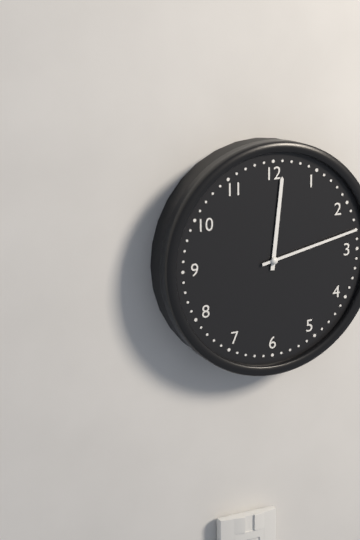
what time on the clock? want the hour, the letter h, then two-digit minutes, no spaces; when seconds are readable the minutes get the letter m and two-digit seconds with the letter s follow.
12h13
